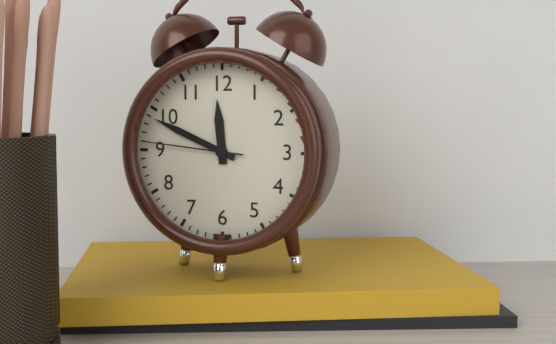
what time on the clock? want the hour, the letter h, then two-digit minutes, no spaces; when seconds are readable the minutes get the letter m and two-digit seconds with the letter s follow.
11h49m46s
